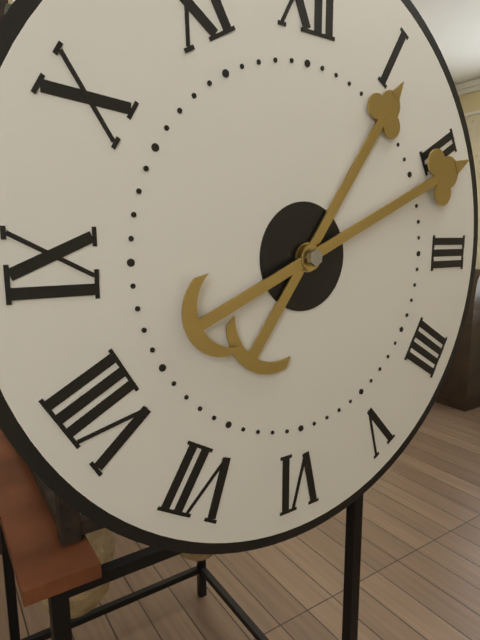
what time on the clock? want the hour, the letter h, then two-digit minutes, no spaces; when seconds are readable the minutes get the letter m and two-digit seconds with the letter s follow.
1h11
